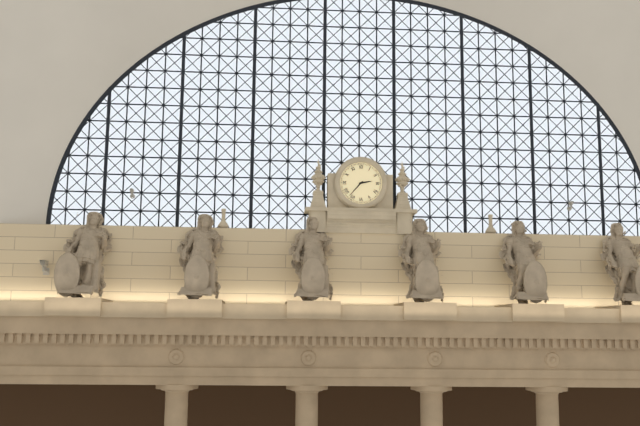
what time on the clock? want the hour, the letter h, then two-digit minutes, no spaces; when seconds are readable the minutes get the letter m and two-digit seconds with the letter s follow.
2h37
